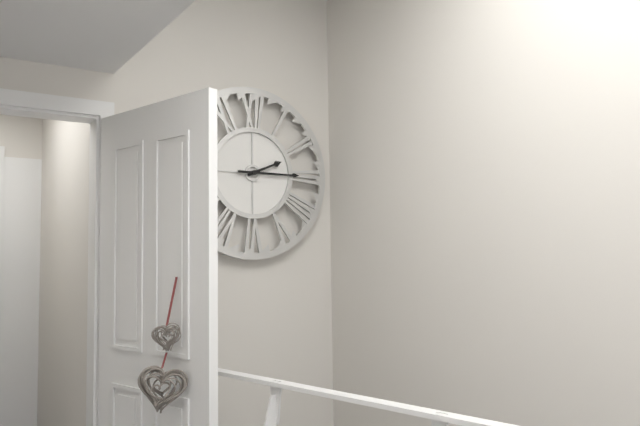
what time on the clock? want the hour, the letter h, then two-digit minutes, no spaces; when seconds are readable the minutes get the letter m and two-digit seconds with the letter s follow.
2h15
